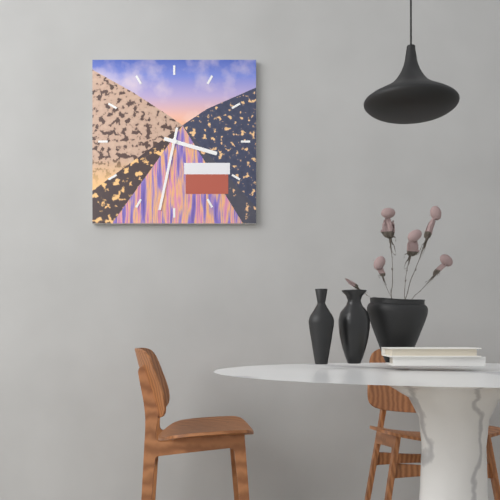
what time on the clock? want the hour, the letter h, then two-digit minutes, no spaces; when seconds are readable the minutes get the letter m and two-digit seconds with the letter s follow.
3h32
